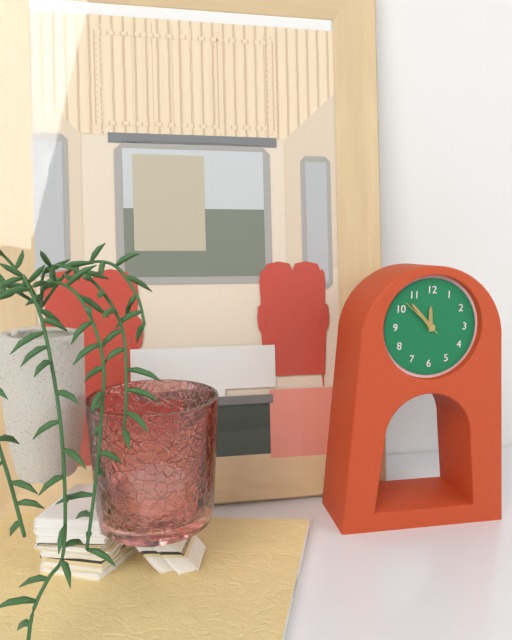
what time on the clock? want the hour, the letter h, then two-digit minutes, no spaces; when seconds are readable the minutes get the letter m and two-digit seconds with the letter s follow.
11h53
